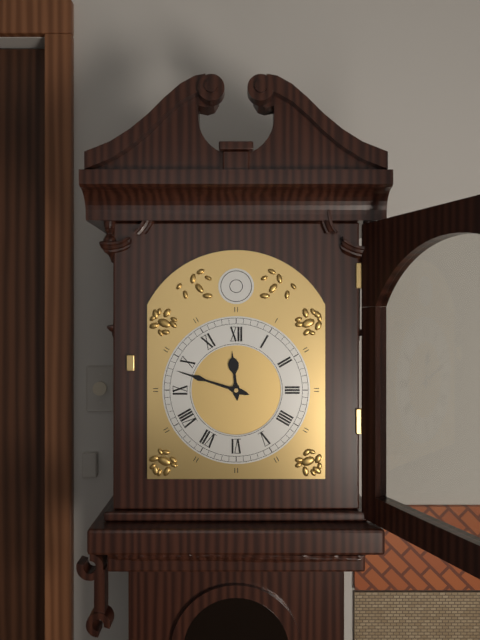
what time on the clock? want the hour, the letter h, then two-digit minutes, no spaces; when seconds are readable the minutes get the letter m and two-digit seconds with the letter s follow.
11h48
